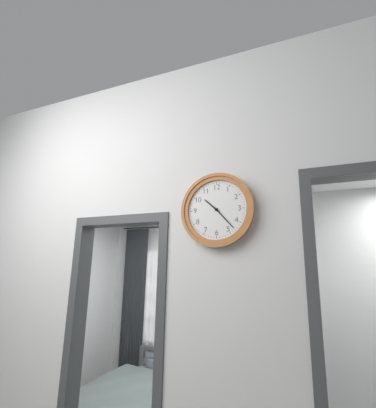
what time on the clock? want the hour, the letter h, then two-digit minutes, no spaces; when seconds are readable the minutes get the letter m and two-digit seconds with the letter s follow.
10h23
